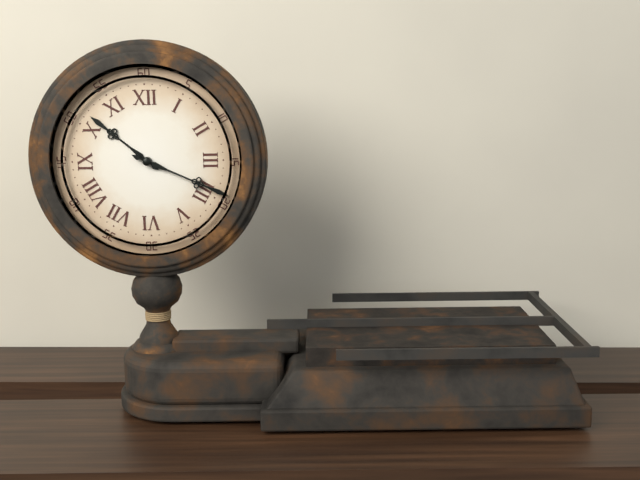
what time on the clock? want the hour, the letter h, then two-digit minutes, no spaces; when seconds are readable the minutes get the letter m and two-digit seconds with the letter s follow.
10h19
